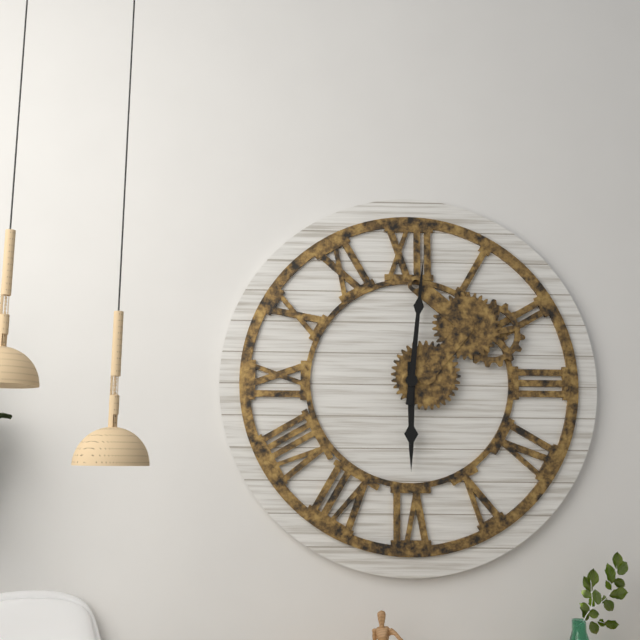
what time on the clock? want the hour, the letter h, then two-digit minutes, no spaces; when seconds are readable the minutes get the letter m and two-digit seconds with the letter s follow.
6h01
